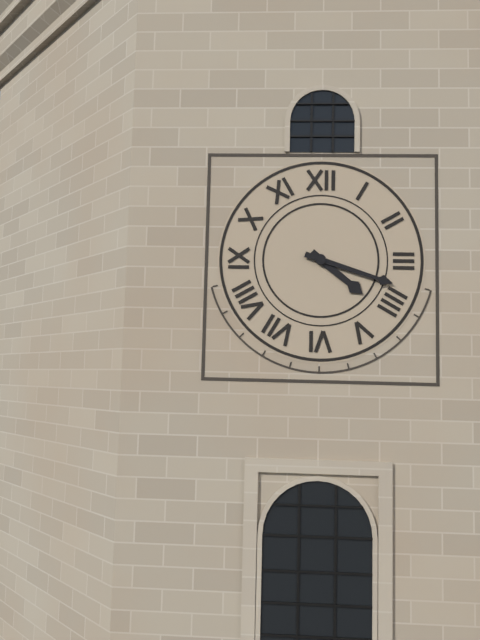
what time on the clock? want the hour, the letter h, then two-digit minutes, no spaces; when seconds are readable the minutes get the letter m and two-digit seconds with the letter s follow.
4h18
